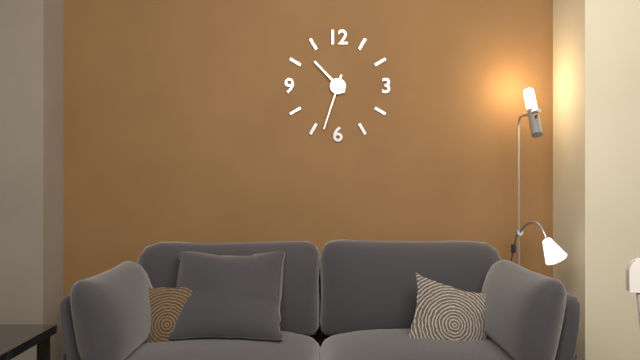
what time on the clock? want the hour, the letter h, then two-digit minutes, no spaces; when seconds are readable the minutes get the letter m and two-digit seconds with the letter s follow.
10h33
